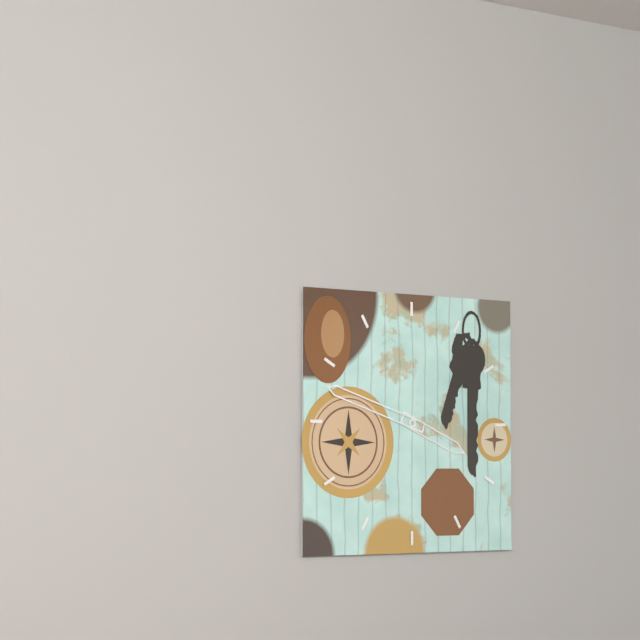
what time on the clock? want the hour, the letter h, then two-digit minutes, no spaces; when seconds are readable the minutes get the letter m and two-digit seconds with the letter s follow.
3h48
